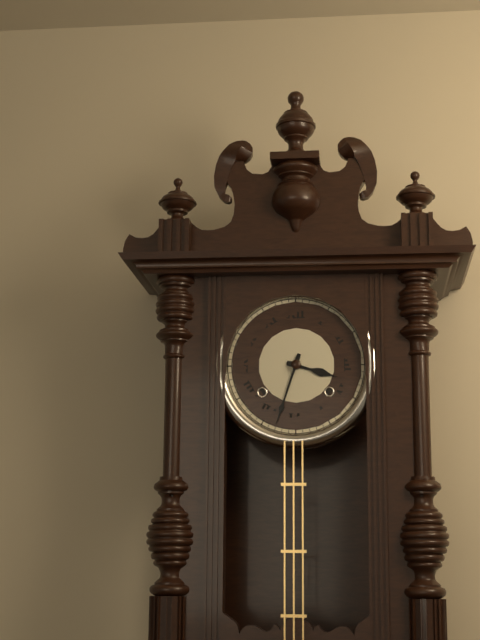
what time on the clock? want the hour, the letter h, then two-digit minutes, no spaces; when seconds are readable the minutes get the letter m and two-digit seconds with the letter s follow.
3h33
